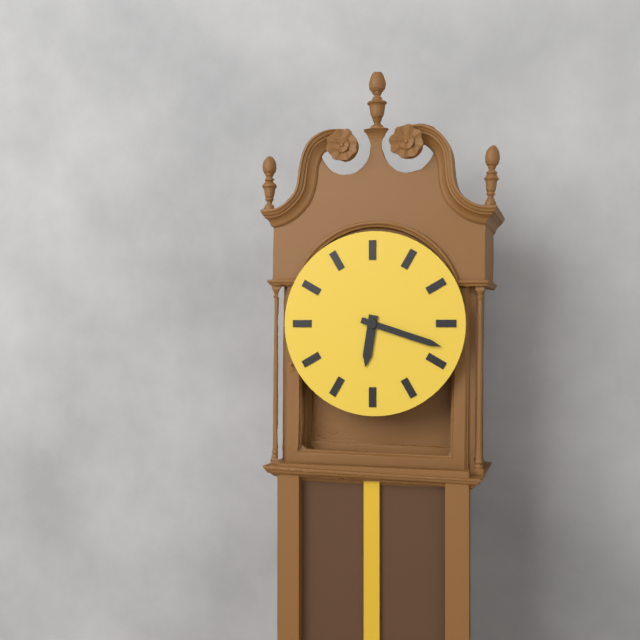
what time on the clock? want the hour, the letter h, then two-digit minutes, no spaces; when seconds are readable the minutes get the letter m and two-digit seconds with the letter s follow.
6h18
